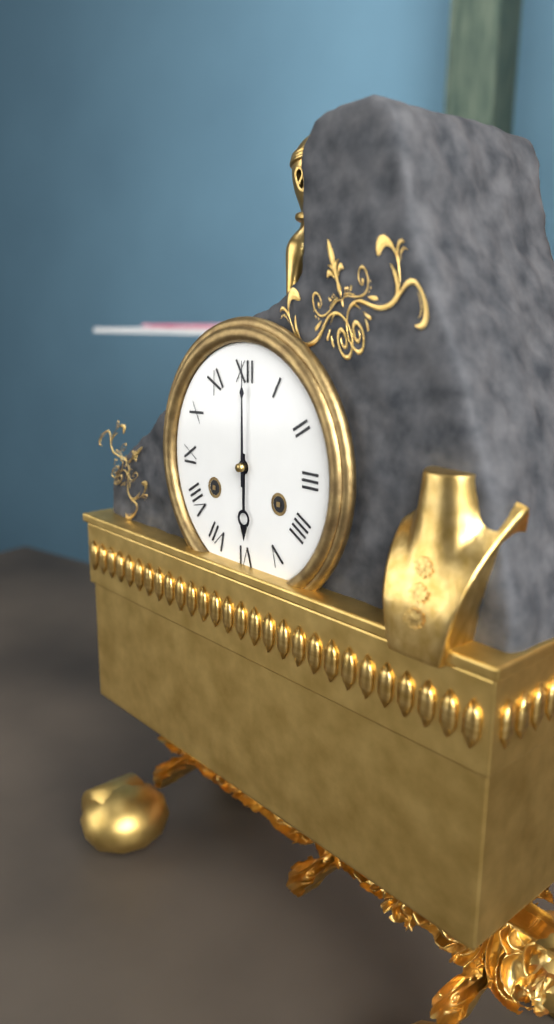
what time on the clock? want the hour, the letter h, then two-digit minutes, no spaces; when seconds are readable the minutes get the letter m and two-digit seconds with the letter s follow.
6h00
